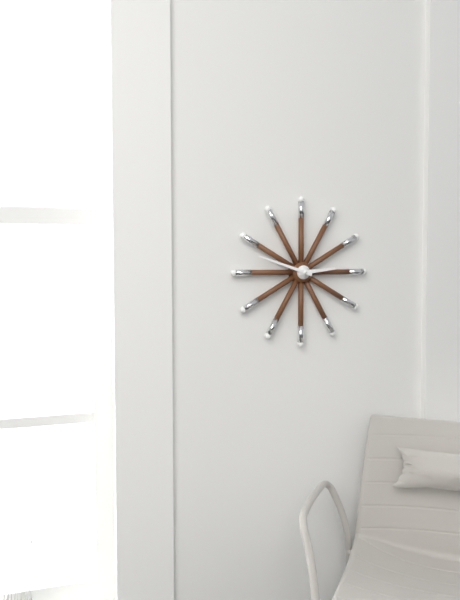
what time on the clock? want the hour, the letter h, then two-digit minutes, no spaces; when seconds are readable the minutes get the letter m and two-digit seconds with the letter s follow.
2h48
